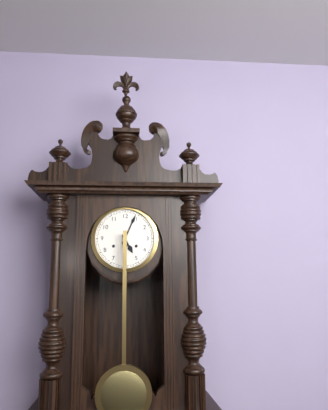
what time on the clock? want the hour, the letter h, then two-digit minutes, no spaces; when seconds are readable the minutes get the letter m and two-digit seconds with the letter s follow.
5h04
